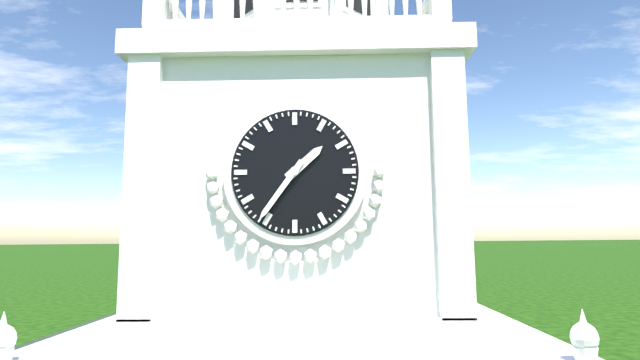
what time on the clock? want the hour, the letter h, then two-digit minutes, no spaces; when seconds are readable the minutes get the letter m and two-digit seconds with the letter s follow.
1h36
